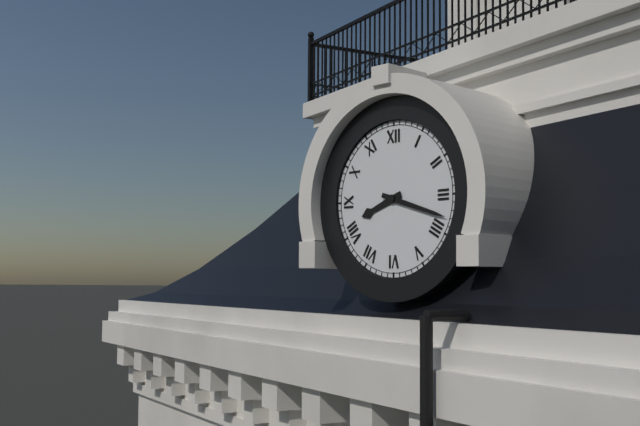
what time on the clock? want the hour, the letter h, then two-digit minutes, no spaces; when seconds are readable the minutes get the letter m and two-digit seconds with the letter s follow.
8h18
